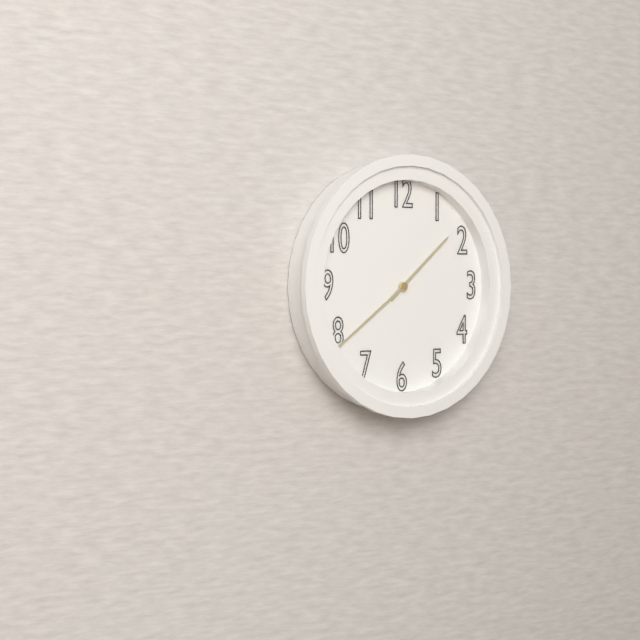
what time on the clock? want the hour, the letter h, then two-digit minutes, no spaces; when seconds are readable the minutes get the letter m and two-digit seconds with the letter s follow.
1h39
